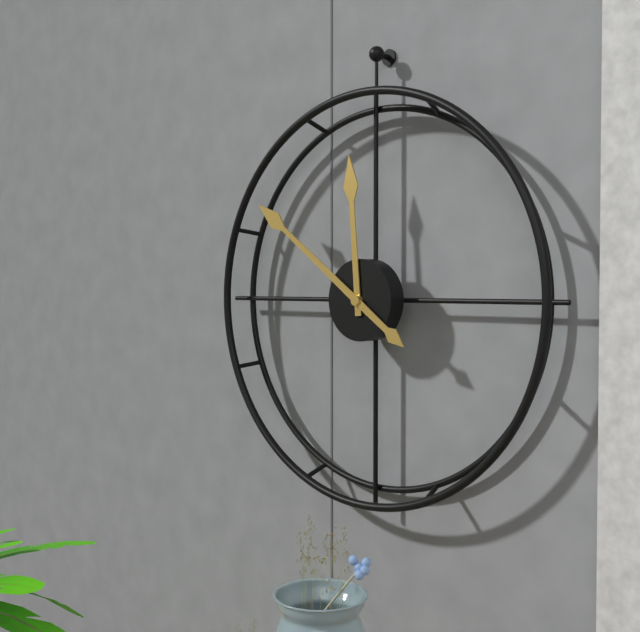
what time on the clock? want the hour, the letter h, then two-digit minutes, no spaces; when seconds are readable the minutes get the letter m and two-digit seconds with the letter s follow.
11h51
